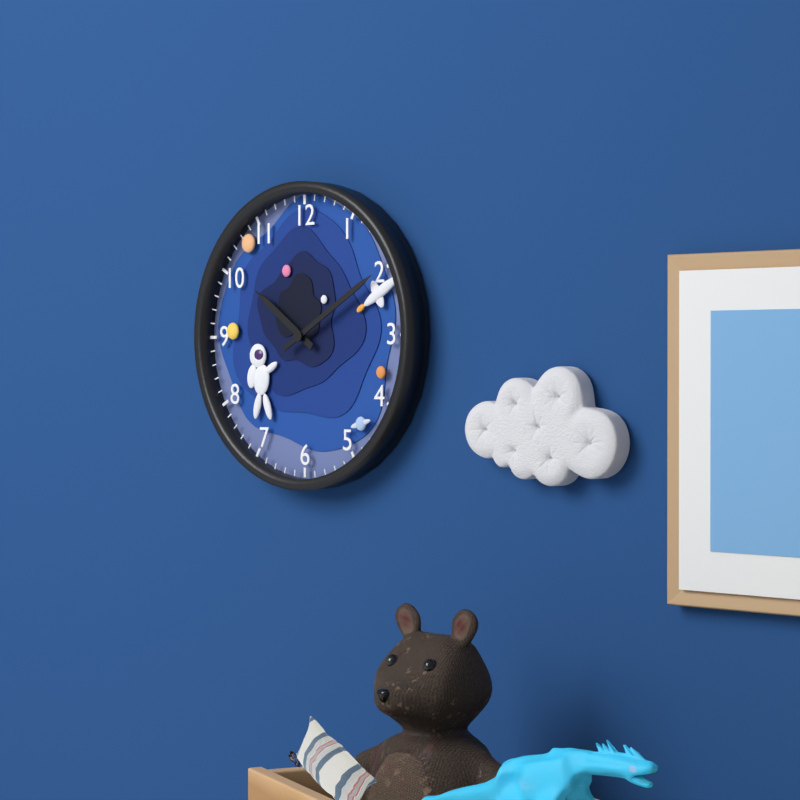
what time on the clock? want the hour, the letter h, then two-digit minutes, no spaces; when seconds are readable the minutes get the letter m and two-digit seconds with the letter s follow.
10h10
